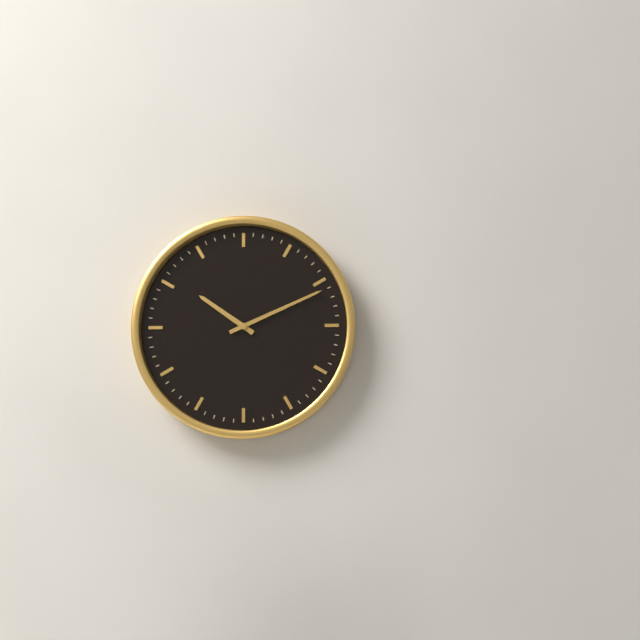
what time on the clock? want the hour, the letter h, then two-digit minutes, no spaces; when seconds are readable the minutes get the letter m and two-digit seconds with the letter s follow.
10h11
